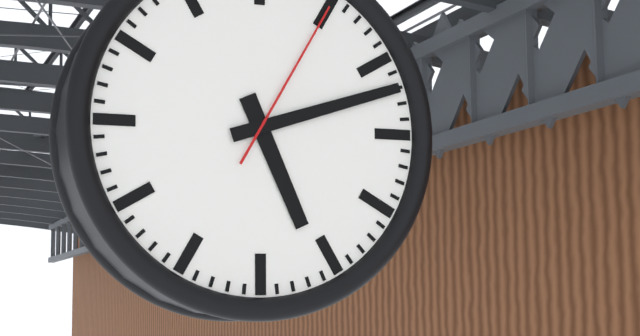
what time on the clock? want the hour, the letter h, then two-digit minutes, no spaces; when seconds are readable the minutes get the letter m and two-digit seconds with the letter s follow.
5h12m05s
